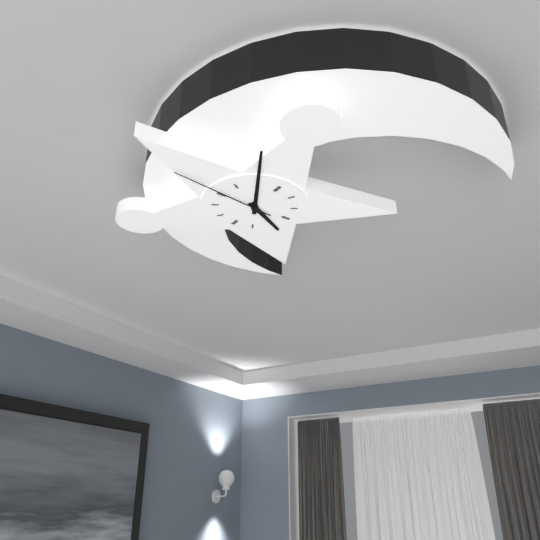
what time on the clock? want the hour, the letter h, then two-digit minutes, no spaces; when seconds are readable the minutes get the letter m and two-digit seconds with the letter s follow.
3h55m46s
